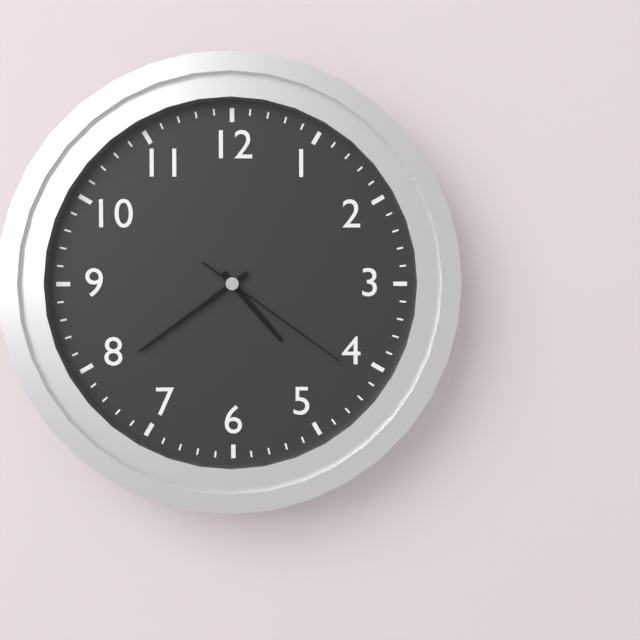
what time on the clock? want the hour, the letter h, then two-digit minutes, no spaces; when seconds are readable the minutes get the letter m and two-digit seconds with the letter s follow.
4h39m21s
